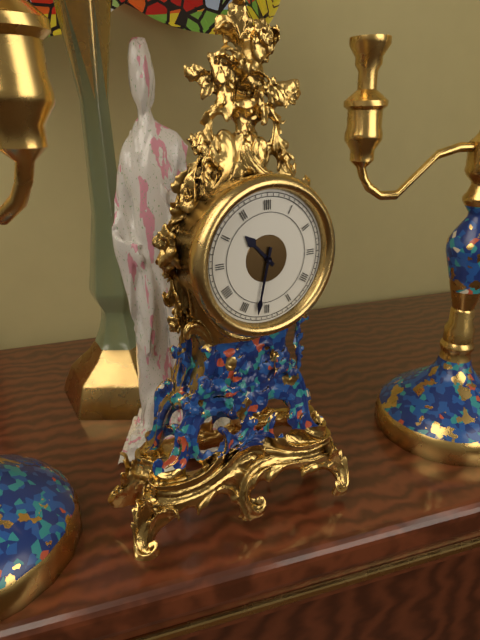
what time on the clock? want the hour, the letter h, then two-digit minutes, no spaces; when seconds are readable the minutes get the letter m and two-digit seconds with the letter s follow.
10h32
